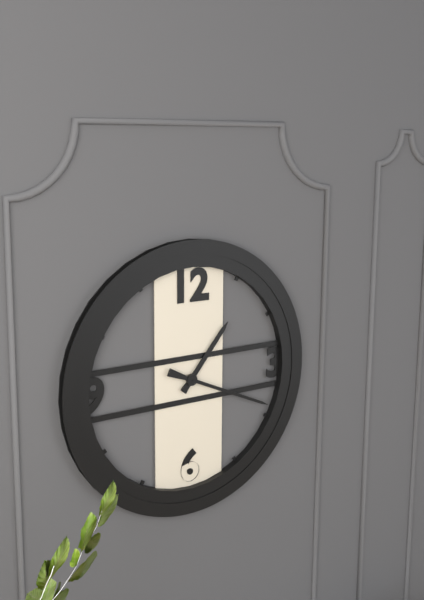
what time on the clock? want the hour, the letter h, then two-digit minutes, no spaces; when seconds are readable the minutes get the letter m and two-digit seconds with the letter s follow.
1h19
